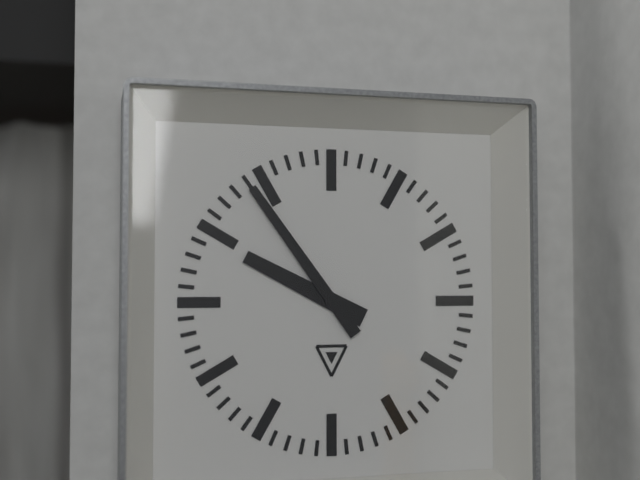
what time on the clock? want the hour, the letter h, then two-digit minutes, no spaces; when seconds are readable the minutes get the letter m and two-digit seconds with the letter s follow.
9h54
